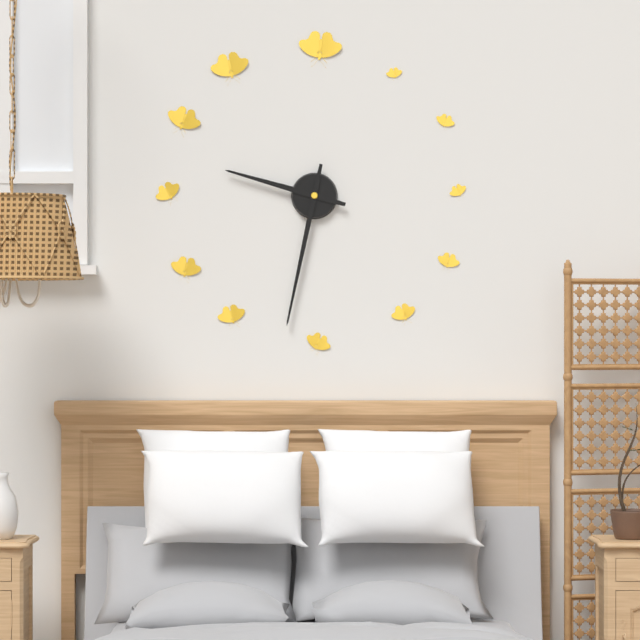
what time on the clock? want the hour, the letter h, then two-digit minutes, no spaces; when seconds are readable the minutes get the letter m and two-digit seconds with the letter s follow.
9h32
